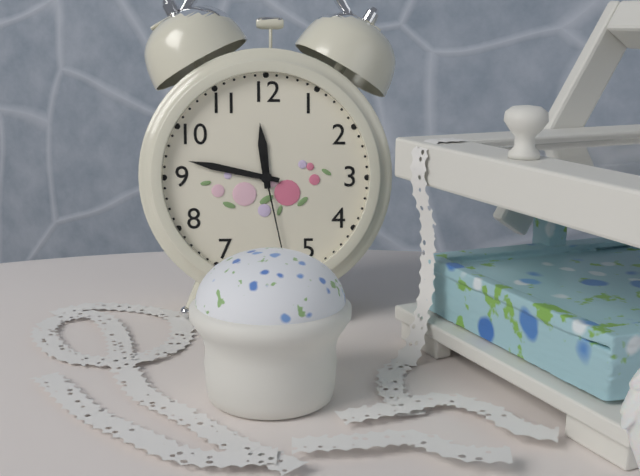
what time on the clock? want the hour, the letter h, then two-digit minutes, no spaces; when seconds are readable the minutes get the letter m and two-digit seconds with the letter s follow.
11h47m28s
